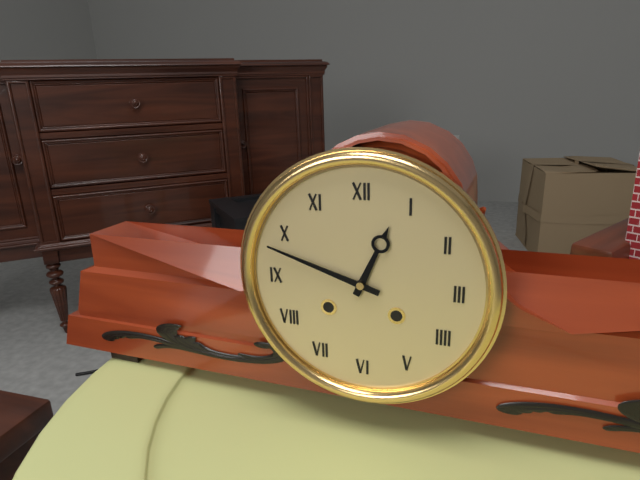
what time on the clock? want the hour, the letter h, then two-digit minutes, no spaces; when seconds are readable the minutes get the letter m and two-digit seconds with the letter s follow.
12h48
